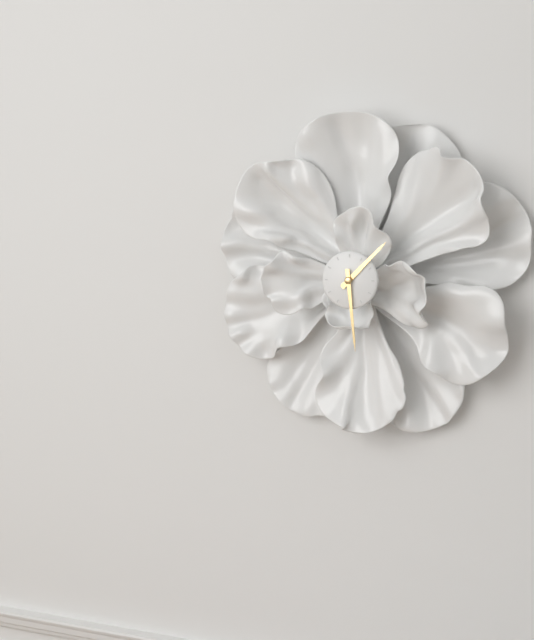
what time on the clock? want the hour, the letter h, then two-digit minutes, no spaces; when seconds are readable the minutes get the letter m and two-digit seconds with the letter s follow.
1h29
